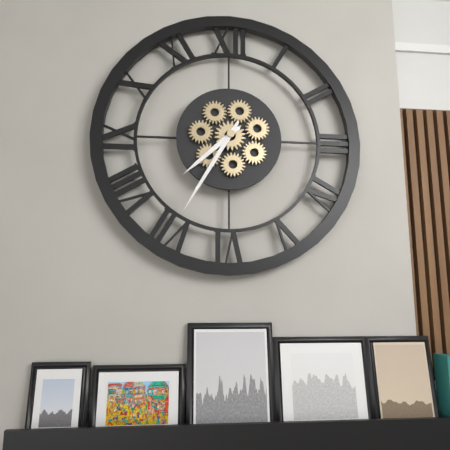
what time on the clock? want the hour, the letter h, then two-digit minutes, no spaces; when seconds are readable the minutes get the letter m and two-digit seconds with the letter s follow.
7h35
